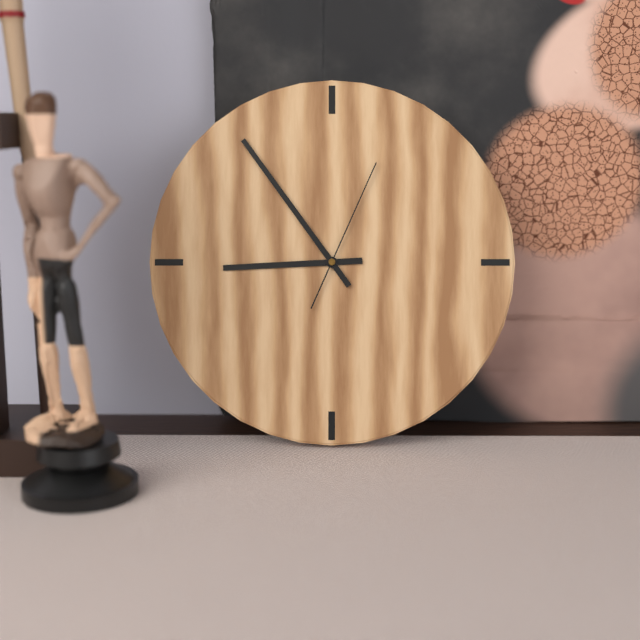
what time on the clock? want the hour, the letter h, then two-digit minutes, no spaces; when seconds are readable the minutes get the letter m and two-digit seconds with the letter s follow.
8h54m04s
